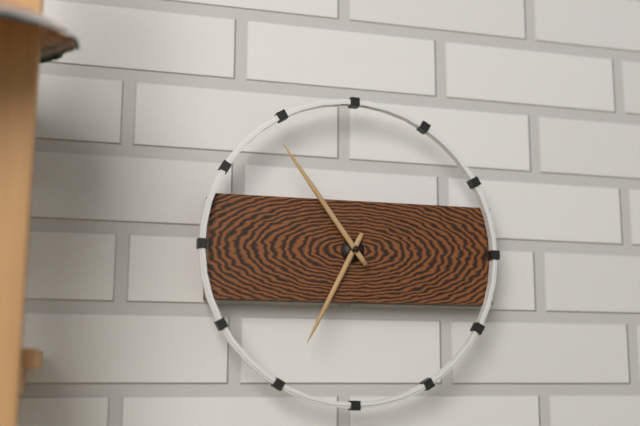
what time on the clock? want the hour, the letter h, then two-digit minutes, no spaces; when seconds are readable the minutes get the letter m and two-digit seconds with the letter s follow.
6h54
